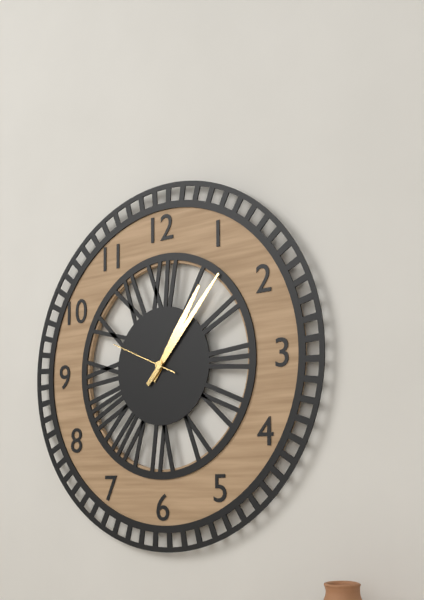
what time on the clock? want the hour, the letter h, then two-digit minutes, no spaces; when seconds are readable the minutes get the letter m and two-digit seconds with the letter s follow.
1h07m49s
